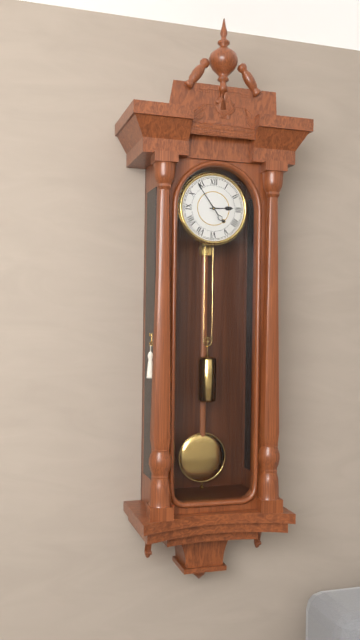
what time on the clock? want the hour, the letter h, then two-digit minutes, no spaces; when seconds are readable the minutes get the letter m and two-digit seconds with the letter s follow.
2h54
